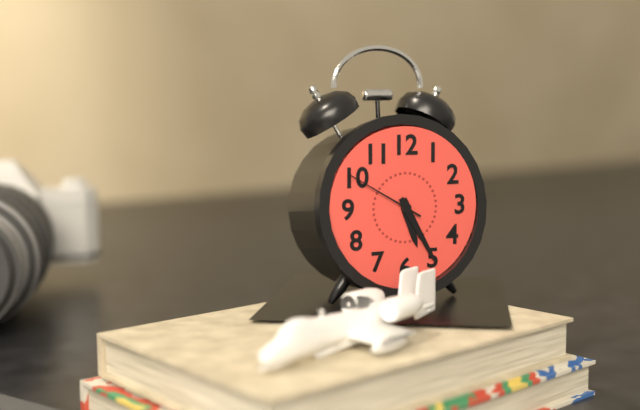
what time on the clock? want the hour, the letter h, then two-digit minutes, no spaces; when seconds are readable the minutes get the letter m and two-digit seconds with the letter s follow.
5h25m50s
